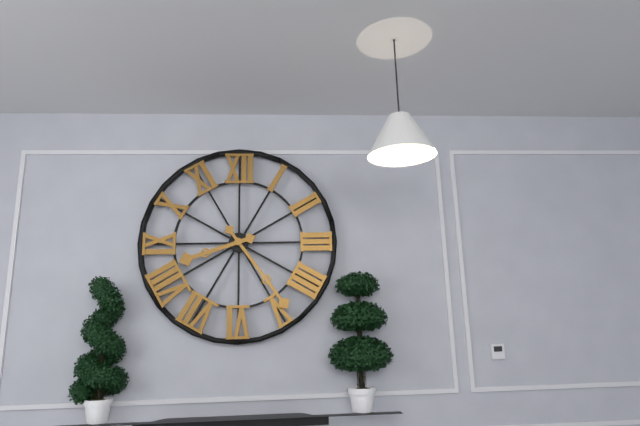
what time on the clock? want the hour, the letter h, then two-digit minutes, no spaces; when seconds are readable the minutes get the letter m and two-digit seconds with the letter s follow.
8h24
